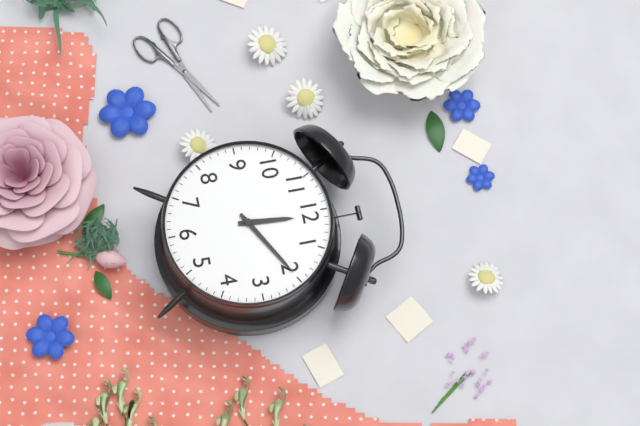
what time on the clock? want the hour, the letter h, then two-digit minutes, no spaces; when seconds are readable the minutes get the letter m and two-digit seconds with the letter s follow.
12h10
